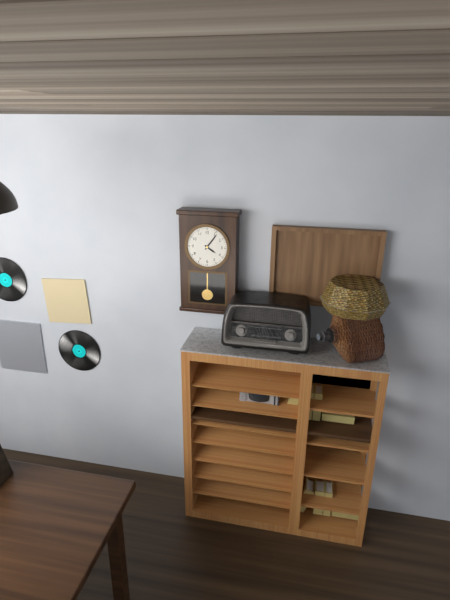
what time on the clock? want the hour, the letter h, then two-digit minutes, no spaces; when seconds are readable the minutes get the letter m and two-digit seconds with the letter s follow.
4h06
